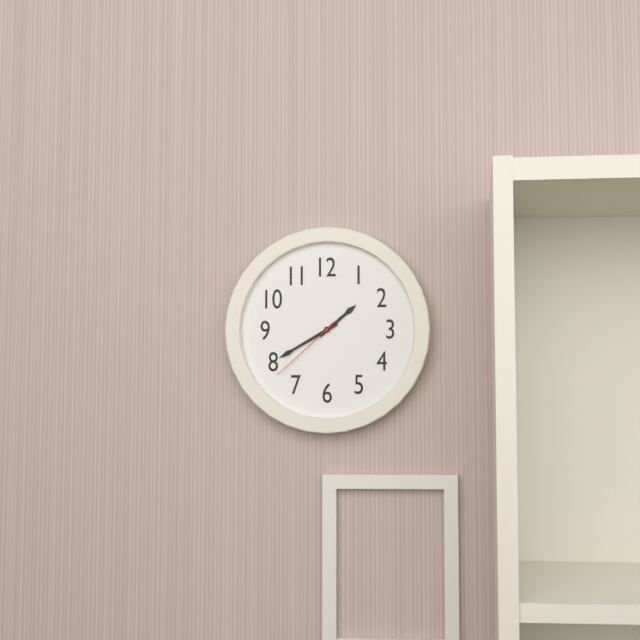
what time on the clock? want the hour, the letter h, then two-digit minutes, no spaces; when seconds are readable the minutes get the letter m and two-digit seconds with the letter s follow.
1h40m38s
